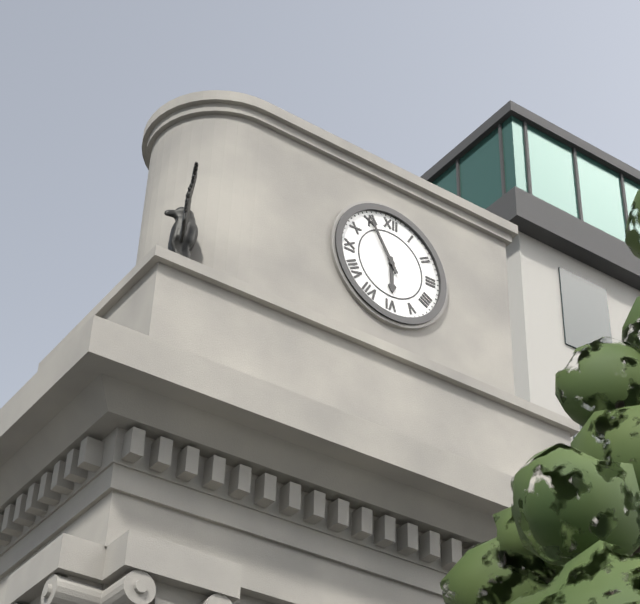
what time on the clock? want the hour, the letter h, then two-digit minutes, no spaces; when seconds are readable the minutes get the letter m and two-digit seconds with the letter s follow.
5h55
